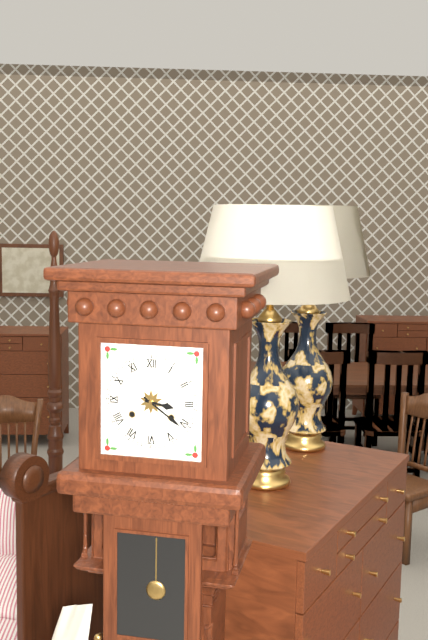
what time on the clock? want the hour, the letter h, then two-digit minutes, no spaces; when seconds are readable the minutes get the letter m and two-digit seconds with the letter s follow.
3h21
